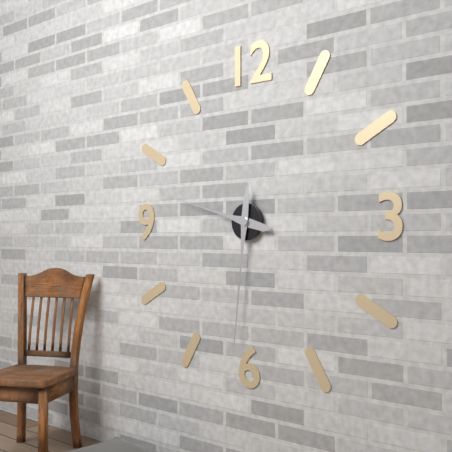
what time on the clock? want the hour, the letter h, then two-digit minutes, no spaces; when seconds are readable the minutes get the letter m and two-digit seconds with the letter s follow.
9h31
